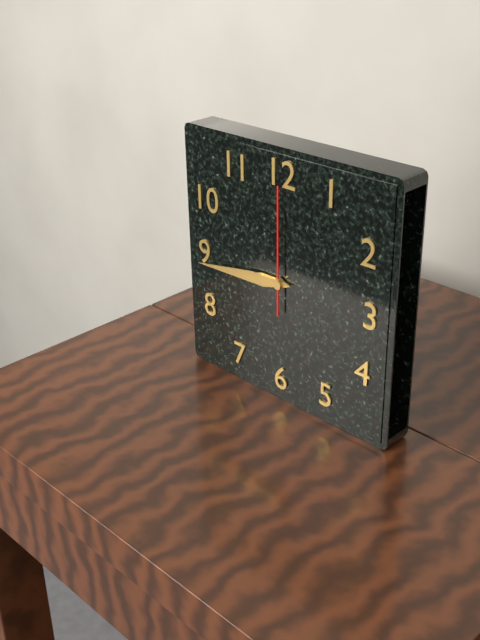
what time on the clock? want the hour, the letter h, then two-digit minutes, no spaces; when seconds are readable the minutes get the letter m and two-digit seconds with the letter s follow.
8h44m00s
